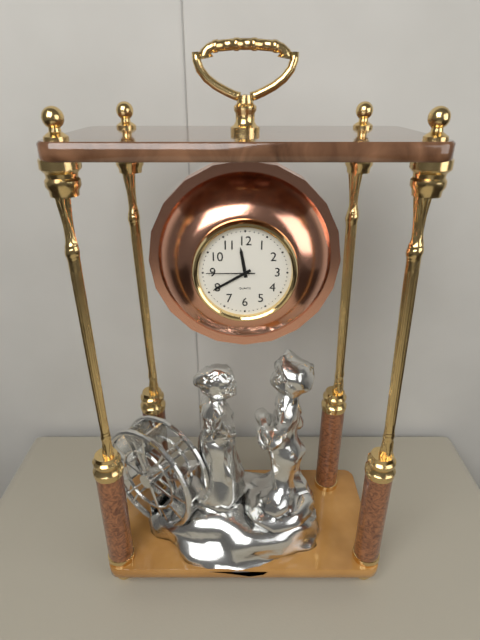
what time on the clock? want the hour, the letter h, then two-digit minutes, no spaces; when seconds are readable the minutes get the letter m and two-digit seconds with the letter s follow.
11h40
